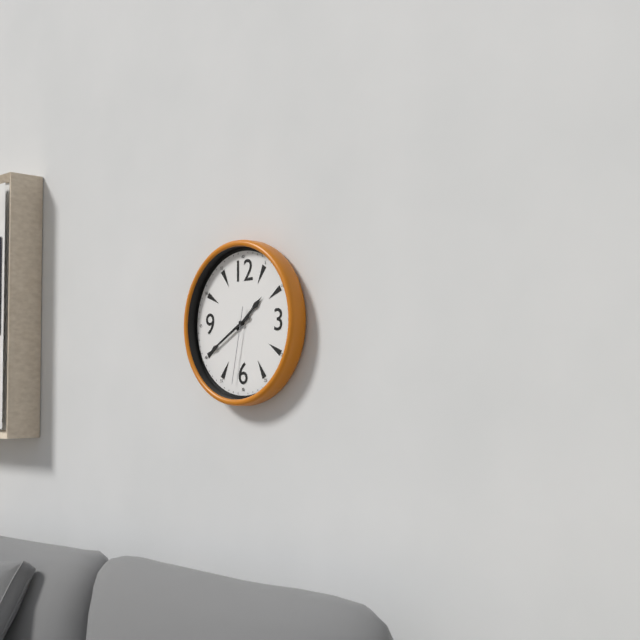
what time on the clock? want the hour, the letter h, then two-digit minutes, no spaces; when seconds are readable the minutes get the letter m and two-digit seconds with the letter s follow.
1h40m32s
